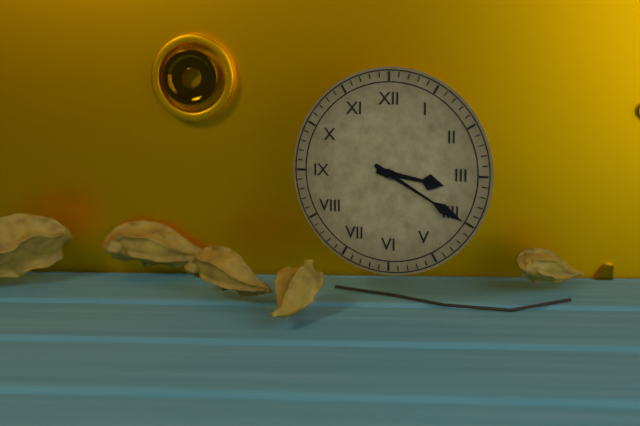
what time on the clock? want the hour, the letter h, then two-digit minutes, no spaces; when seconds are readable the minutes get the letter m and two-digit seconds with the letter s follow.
3h20
